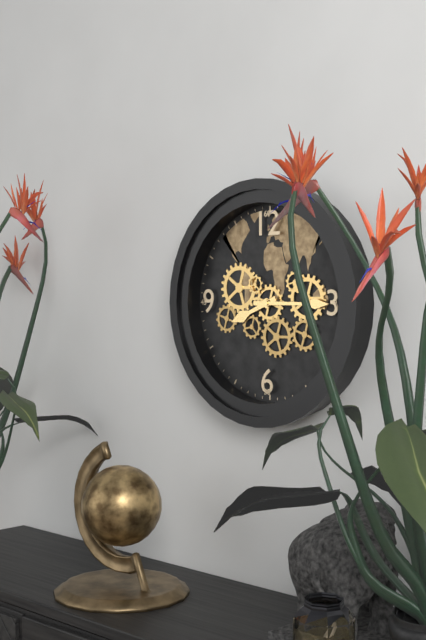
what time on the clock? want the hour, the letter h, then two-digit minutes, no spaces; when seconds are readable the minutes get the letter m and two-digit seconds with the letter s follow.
8h15
